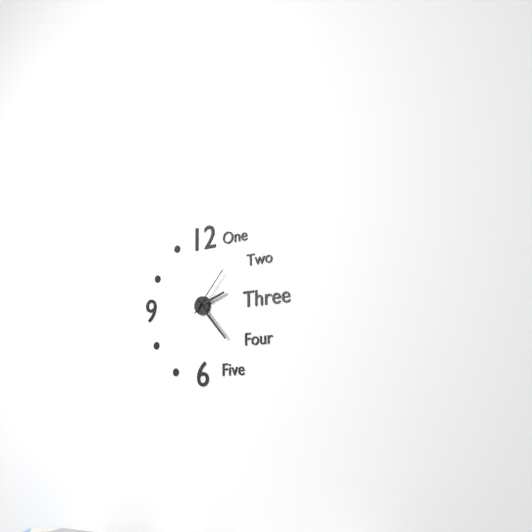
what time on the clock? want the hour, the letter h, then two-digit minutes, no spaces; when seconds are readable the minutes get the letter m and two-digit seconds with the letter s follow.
2h23m07s
